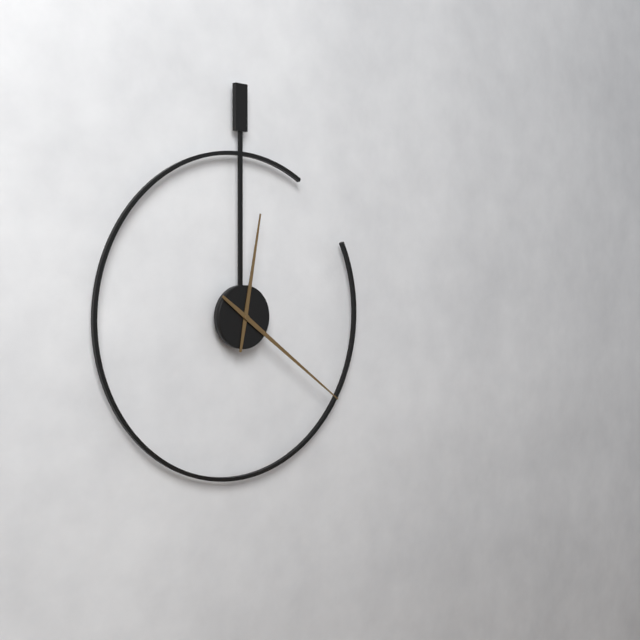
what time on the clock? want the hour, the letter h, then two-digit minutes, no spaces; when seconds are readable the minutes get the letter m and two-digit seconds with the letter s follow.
12h21
